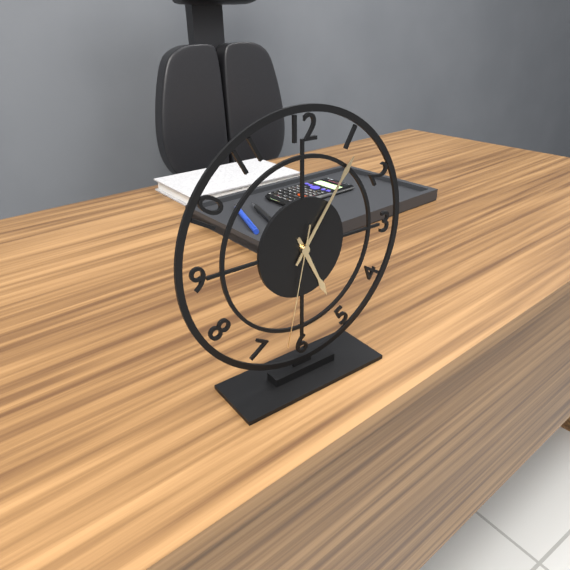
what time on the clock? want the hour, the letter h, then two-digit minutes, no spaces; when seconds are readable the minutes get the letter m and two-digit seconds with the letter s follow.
5h06m32s
